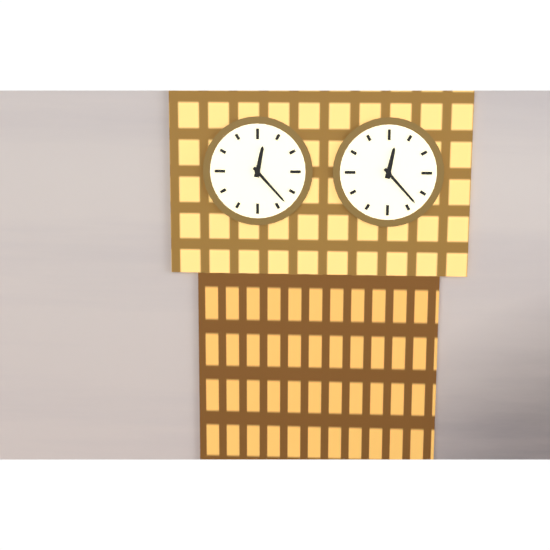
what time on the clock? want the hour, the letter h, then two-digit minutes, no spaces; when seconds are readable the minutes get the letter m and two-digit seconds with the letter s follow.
12h23
